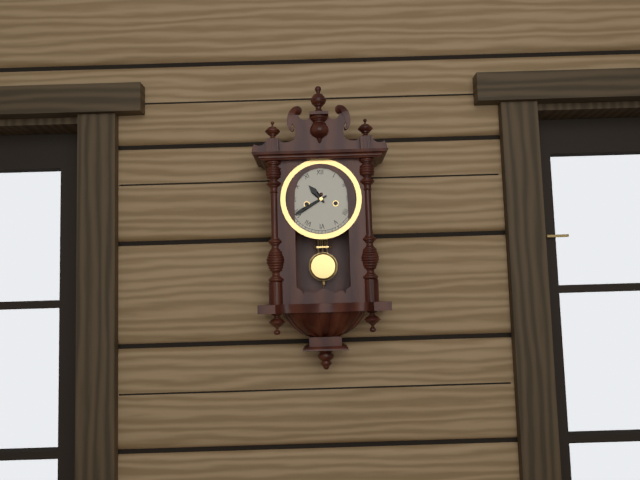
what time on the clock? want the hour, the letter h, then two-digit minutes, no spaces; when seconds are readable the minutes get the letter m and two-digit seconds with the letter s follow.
10h40
